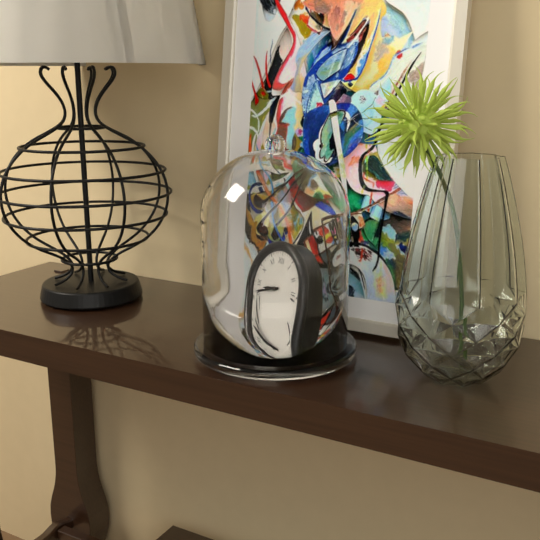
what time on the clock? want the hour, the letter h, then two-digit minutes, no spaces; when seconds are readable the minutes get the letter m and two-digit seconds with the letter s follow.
8h42
